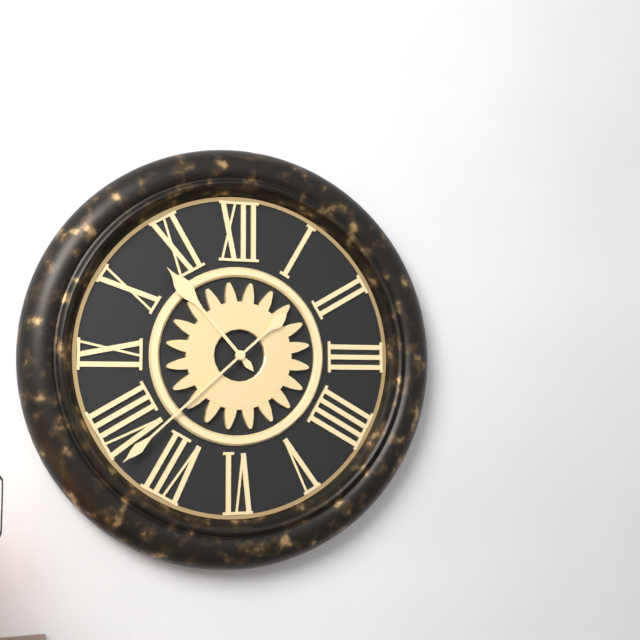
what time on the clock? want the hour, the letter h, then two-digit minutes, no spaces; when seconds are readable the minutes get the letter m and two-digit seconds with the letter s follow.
10h38
